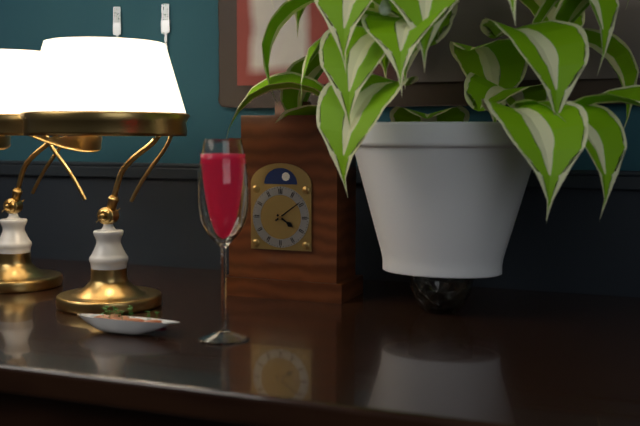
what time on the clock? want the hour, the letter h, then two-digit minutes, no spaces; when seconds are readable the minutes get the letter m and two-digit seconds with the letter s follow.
4h09
